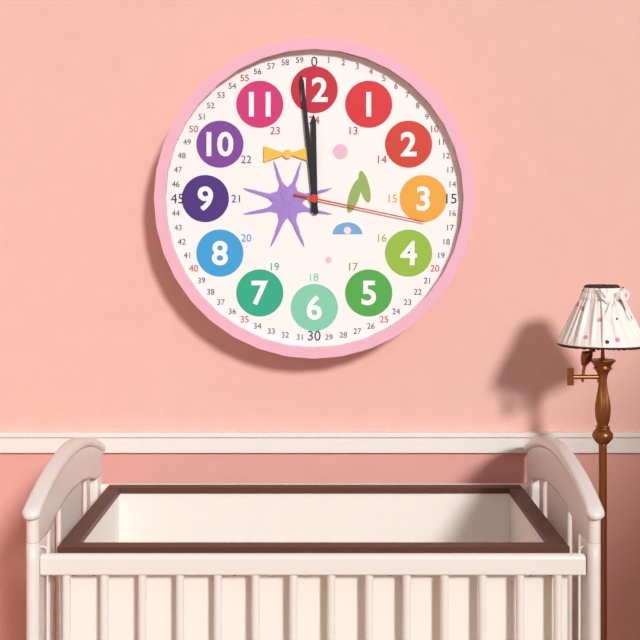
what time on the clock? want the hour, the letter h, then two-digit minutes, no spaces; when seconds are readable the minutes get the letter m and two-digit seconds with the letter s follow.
11h59m17s
